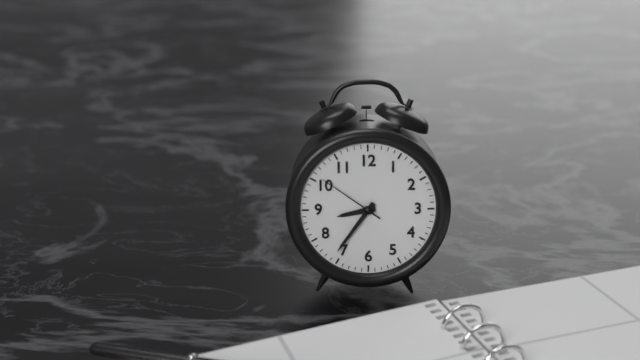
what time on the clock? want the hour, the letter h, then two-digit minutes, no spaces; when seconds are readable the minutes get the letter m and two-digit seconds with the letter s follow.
8h36m51s
